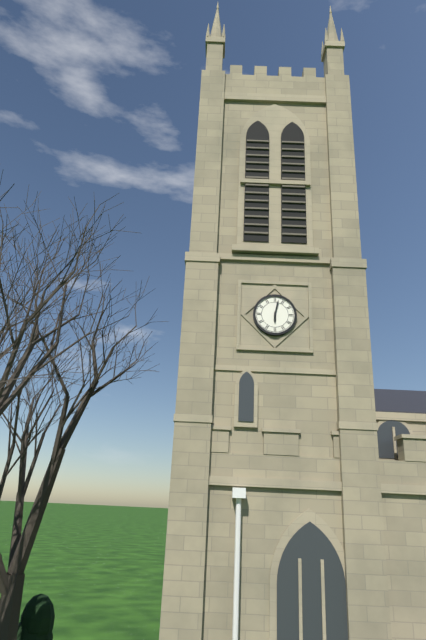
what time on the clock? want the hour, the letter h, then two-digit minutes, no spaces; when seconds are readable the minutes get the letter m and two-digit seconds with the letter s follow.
6h02
